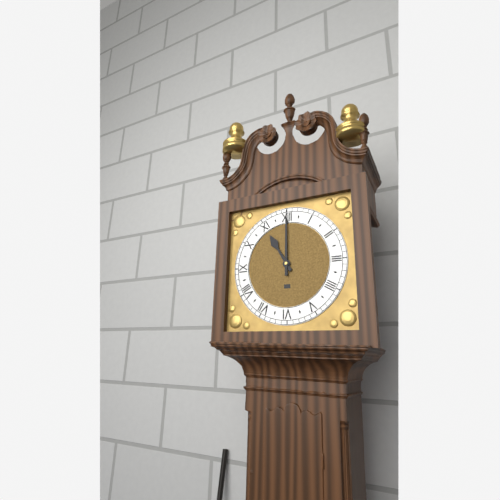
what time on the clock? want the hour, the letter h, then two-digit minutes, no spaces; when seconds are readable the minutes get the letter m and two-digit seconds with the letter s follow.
11h00
